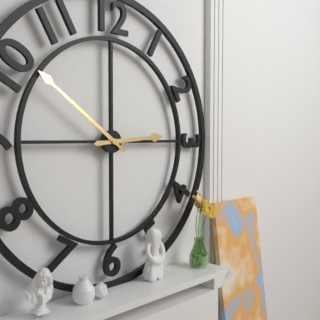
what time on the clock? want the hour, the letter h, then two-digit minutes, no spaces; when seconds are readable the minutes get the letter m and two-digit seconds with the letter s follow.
2h51
